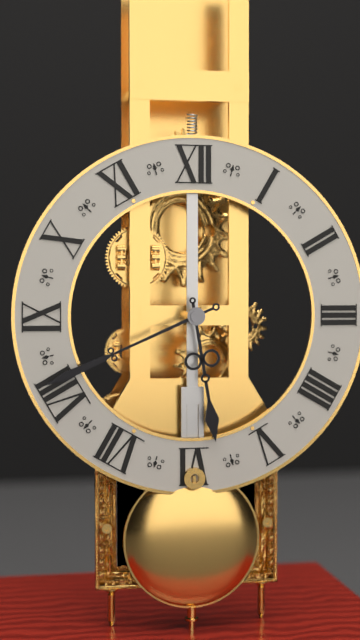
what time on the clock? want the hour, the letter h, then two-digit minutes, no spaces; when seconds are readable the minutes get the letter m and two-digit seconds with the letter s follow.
5h41
